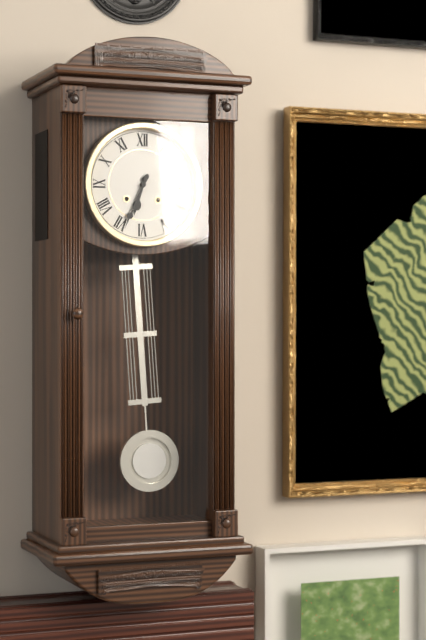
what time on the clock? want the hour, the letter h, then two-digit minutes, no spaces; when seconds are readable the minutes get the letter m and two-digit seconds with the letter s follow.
6h34
